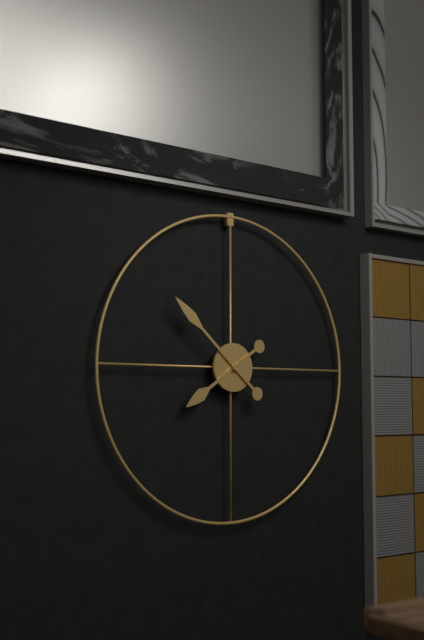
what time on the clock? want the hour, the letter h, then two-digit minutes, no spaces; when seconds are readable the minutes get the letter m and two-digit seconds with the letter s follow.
7h52
